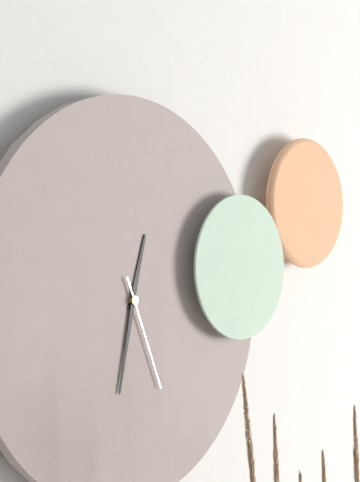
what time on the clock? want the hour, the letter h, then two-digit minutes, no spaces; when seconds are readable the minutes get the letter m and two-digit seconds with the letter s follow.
12h32m26s
